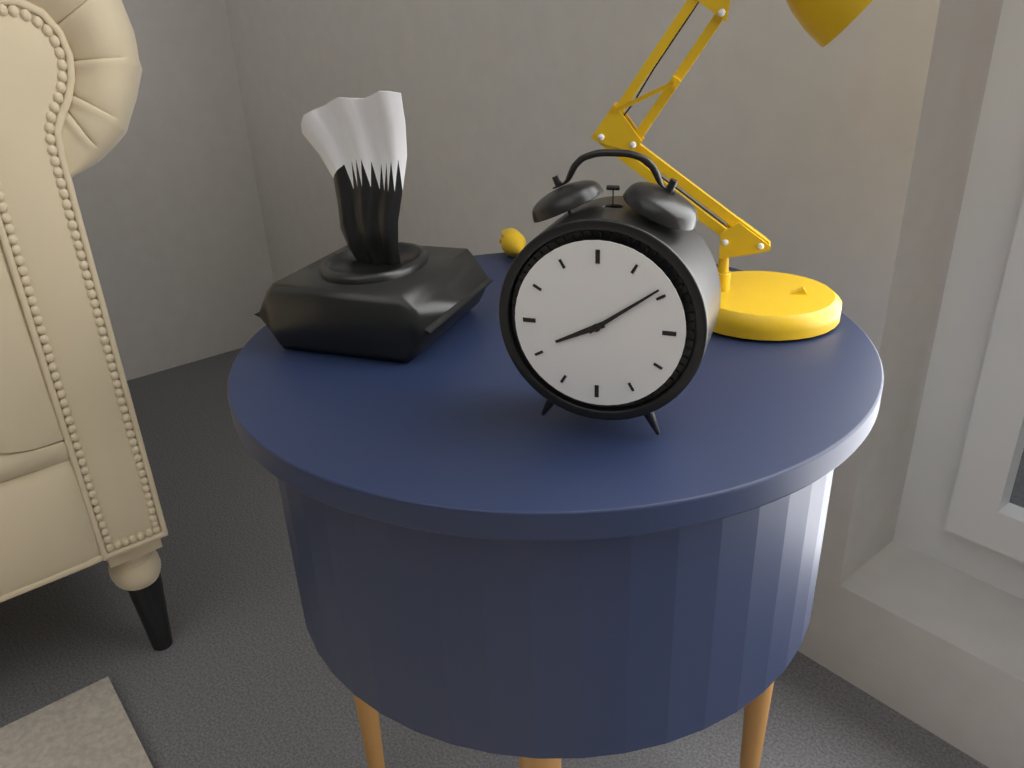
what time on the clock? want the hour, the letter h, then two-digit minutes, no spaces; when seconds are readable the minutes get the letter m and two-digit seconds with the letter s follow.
8h09
